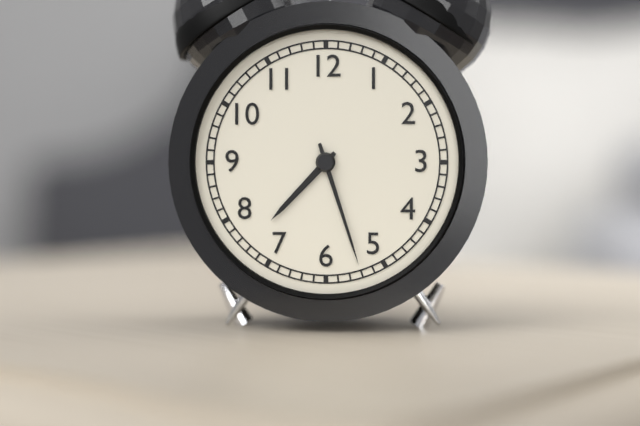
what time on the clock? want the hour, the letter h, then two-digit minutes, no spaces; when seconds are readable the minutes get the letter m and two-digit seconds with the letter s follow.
7h27
